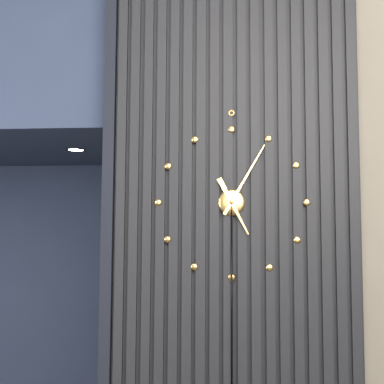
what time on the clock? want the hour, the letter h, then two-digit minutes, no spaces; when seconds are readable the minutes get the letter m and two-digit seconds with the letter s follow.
5h05
